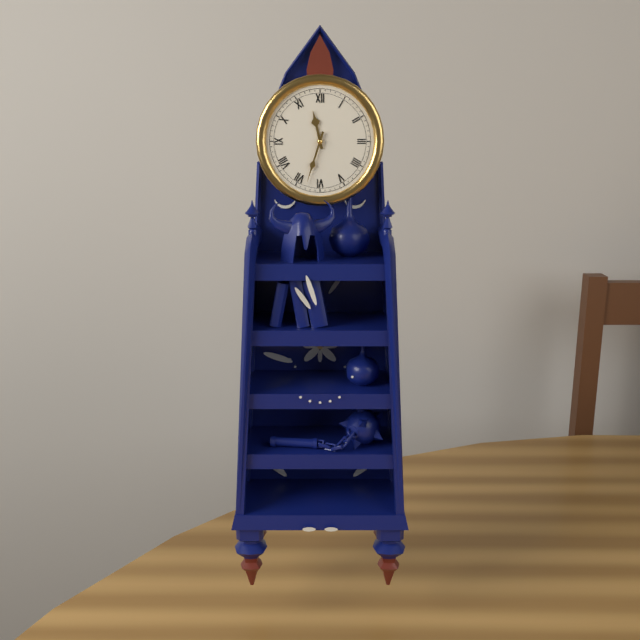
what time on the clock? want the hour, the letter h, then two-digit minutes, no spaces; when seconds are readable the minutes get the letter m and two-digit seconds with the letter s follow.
11h33
